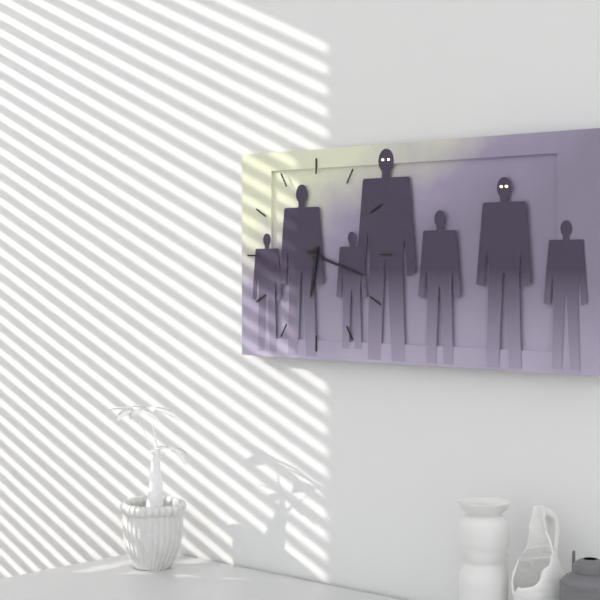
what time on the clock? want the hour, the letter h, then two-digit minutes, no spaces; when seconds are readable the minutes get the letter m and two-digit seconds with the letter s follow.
6h18
